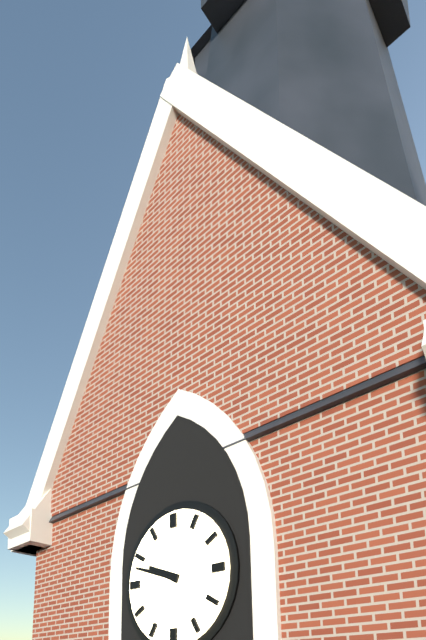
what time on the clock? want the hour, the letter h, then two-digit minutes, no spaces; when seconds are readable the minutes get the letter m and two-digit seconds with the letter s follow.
9h48
